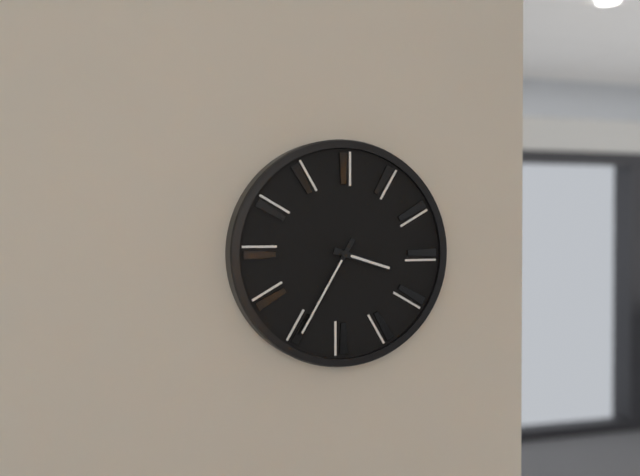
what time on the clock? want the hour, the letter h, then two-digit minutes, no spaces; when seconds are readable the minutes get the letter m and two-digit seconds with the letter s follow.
3h35
